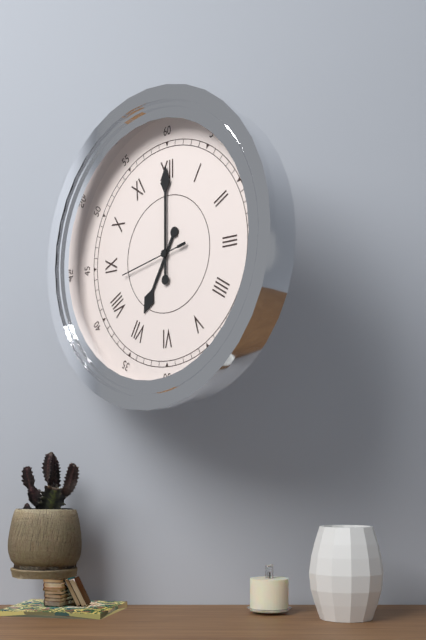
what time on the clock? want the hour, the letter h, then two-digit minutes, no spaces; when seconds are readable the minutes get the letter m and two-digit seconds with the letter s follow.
7h00m43s
